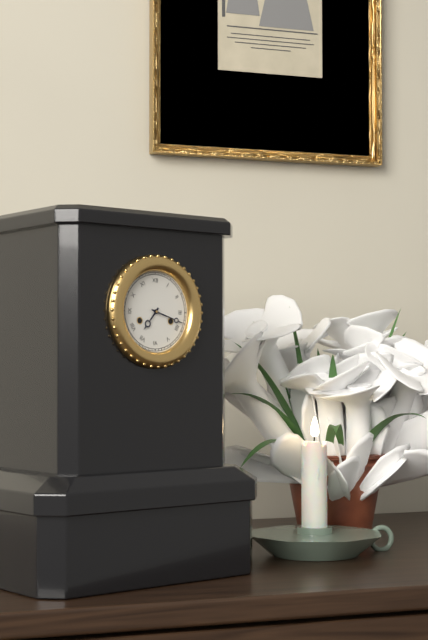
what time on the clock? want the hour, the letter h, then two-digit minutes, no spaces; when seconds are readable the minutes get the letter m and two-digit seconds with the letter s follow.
7h18
